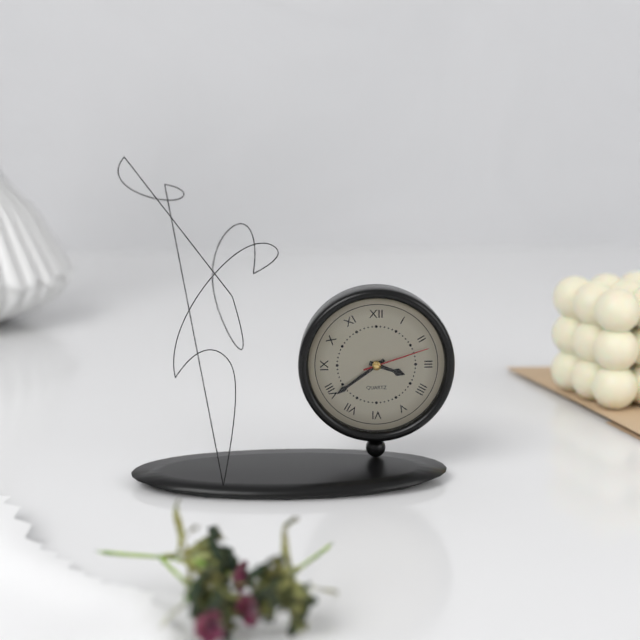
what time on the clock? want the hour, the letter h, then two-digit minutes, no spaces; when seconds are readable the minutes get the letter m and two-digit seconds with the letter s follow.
3h39m12s
